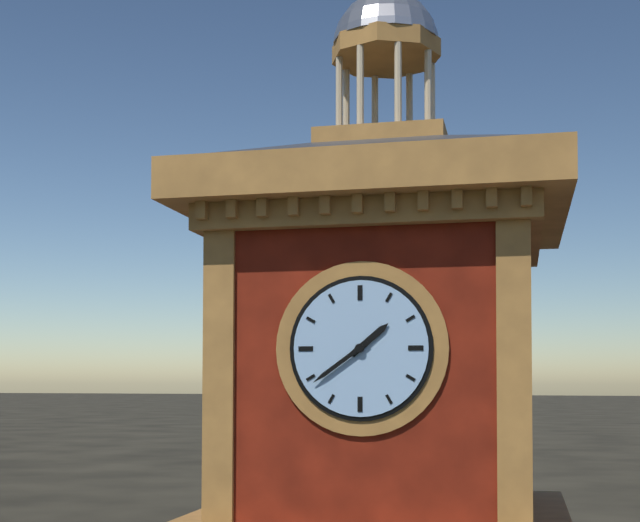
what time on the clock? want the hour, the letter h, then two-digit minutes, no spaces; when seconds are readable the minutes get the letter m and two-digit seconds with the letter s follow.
1h39
